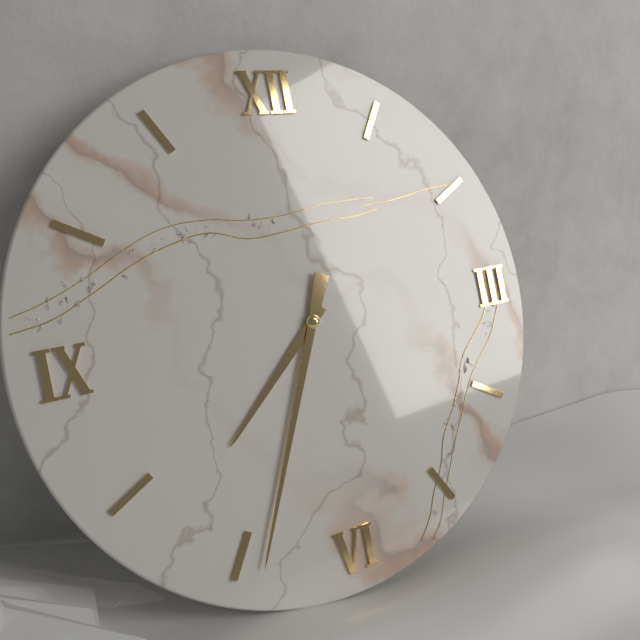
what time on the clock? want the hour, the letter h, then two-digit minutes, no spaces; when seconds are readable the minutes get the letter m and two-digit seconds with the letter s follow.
7h34
